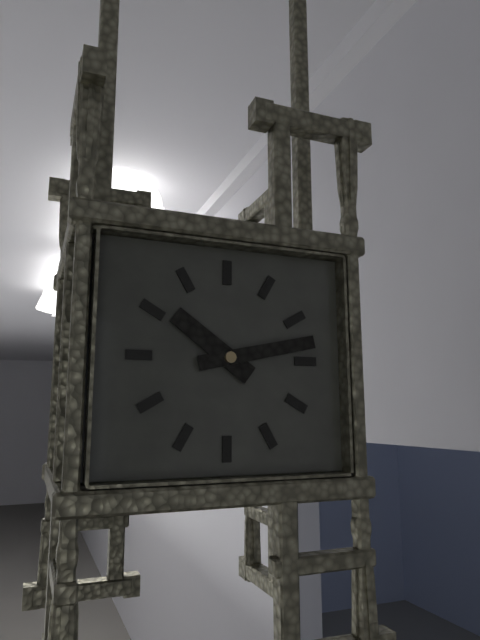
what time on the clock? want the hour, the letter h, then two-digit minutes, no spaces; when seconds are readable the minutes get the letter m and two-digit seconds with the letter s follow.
10h13
